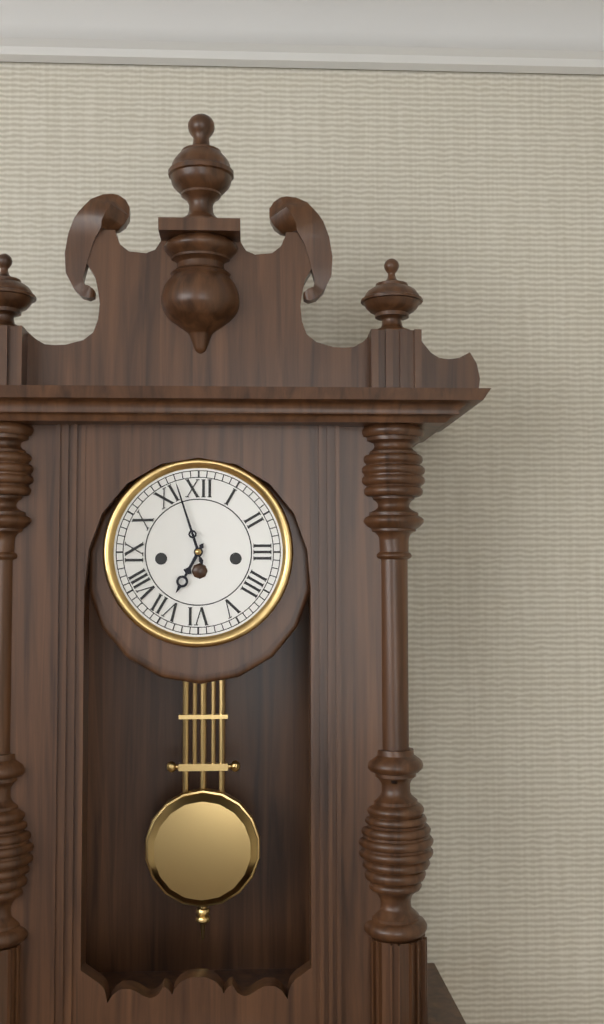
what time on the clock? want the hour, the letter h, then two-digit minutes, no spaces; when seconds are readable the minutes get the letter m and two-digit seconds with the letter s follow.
6h57
